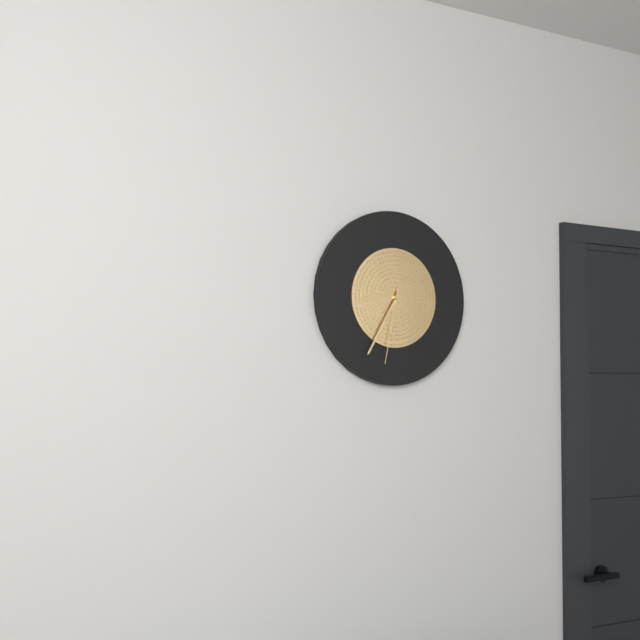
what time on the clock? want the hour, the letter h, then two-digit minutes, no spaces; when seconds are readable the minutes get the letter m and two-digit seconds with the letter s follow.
8h35m32s
